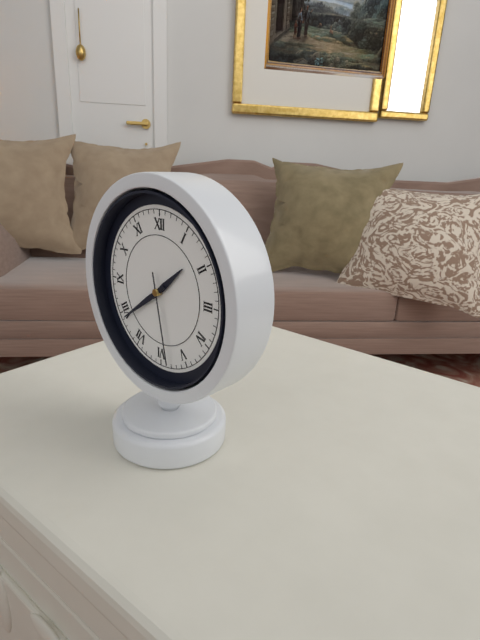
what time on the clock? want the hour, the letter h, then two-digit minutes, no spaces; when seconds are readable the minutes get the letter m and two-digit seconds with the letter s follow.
1h39m28s
